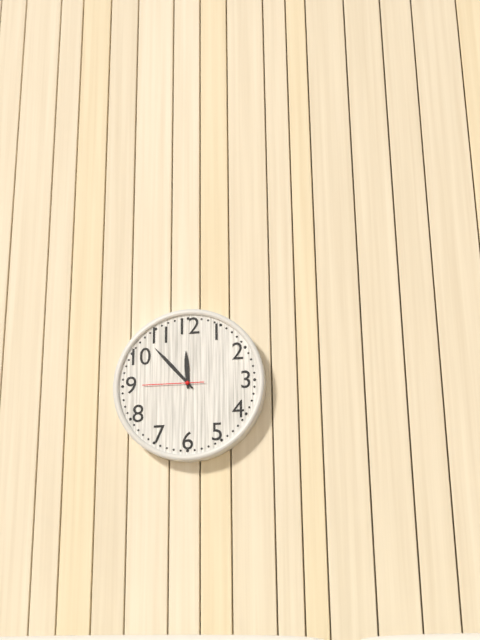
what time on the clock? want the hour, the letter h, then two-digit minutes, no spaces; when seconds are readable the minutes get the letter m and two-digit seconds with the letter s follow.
11h53m45s
